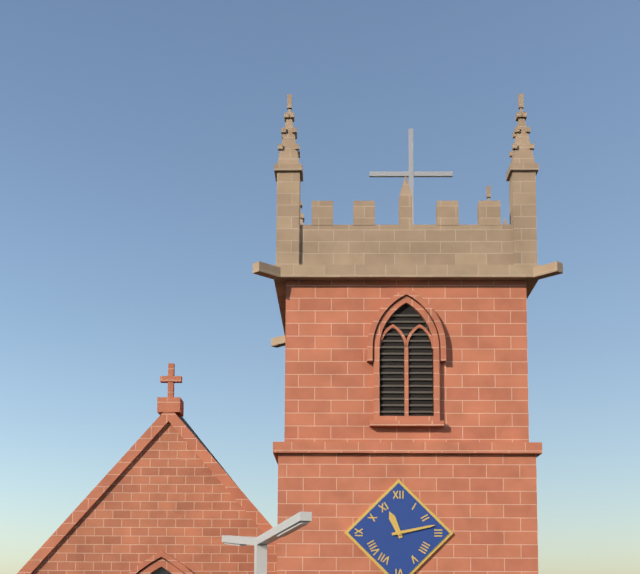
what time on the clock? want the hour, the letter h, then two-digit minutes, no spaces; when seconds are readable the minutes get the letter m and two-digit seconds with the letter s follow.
11h13
